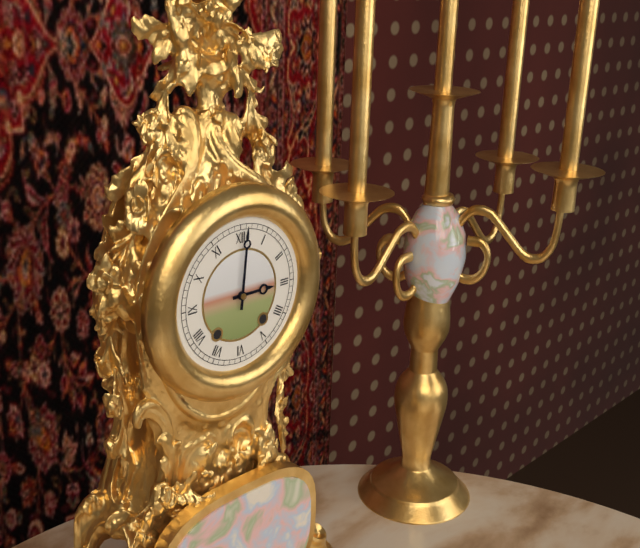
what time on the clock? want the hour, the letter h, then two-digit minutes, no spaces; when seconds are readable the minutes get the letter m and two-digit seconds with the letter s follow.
3h01
